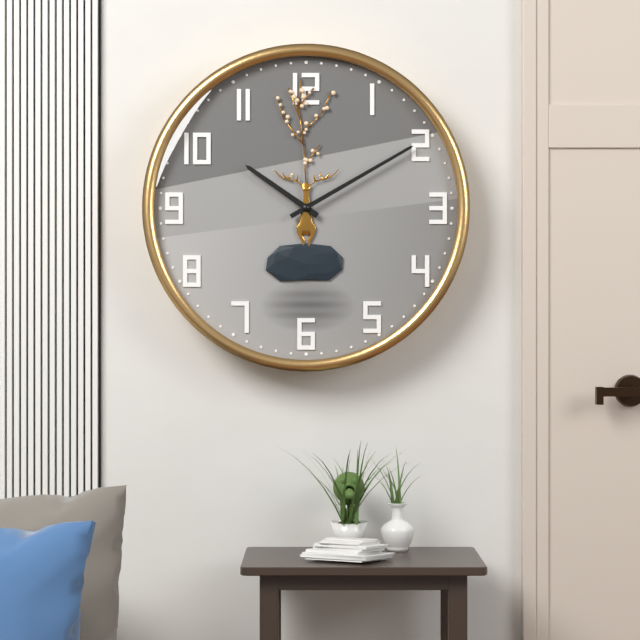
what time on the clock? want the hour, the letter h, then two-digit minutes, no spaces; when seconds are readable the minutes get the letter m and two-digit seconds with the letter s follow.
10h10
